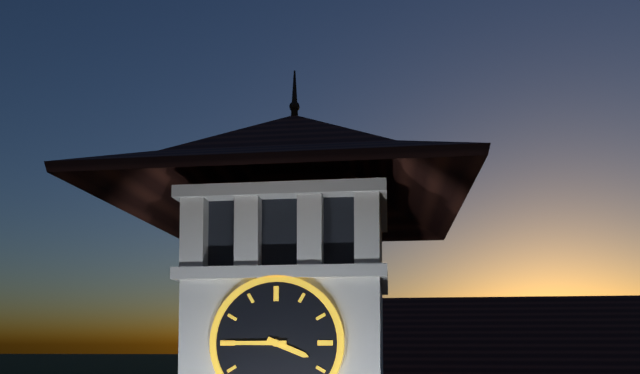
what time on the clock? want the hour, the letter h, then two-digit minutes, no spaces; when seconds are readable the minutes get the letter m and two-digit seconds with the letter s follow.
3h45
